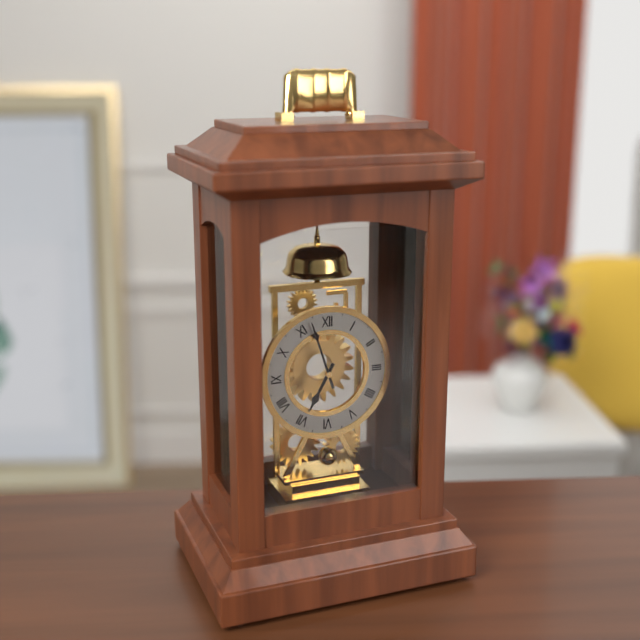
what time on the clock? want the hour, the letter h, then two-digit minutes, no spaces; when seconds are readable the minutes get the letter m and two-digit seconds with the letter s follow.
6h57
